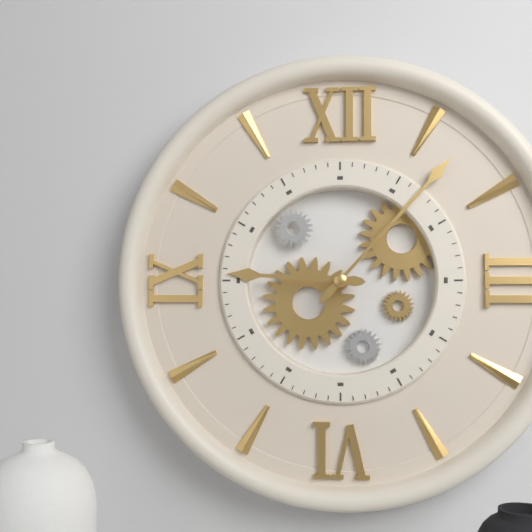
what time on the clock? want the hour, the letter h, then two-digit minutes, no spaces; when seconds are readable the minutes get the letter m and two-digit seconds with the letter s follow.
9h07
